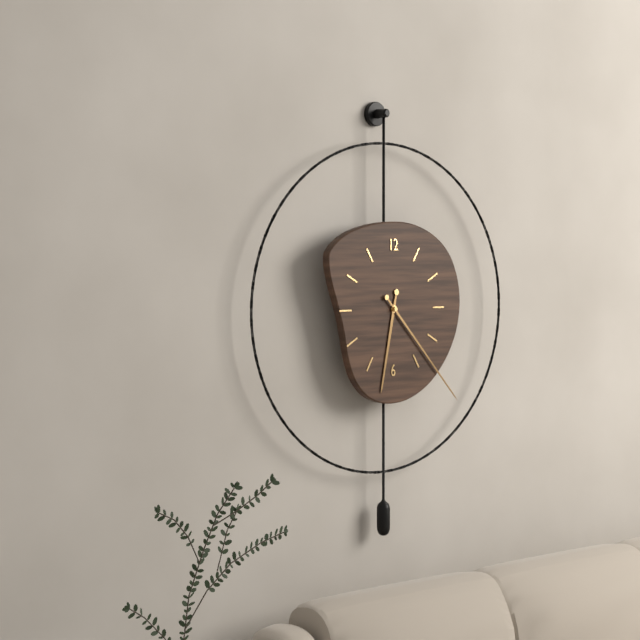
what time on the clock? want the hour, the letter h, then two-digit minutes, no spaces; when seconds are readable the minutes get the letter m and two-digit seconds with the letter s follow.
6h23
